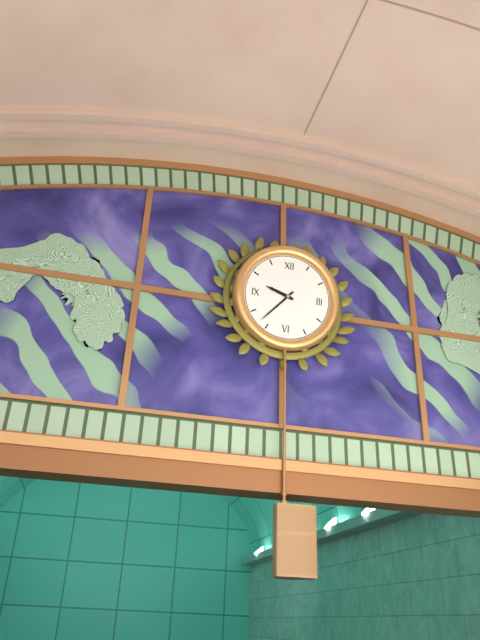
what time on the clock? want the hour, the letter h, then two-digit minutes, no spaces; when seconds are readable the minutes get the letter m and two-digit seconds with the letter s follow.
9h37
